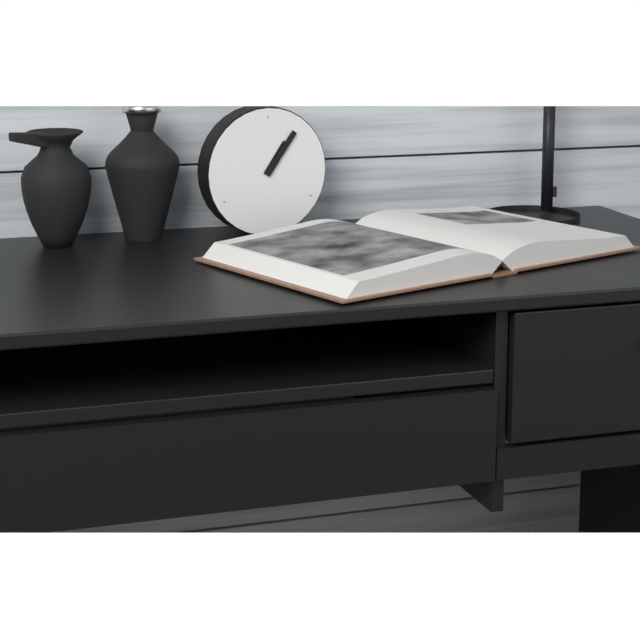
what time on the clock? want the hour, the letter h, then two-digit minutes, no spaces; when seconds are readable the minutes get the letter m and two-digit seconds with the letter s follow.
1h06
